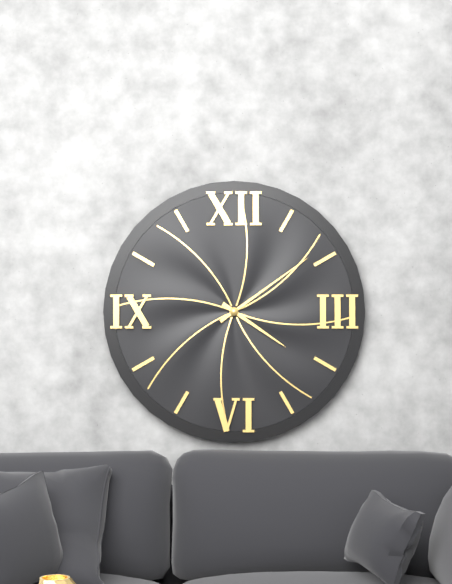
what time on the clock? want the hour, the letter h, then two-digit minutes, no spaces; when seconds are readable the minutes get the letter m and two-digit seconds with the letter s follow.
4h09
